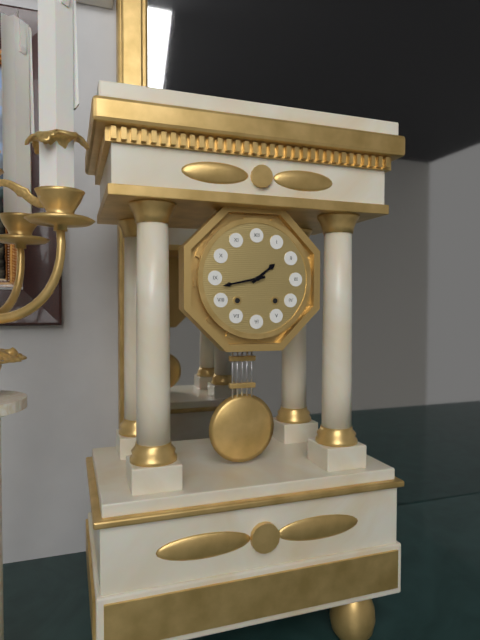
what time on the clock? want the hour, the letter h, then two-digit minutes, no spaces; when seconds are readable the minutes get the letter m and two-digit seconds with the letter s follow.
1h43
